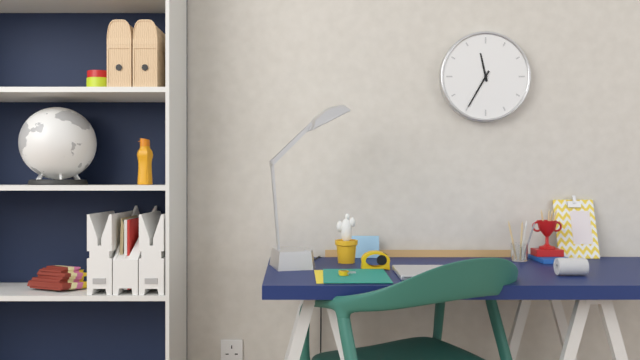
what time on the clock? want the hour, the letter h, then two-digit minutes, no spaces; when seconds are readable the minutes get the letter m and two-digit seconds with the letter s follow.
11h35
